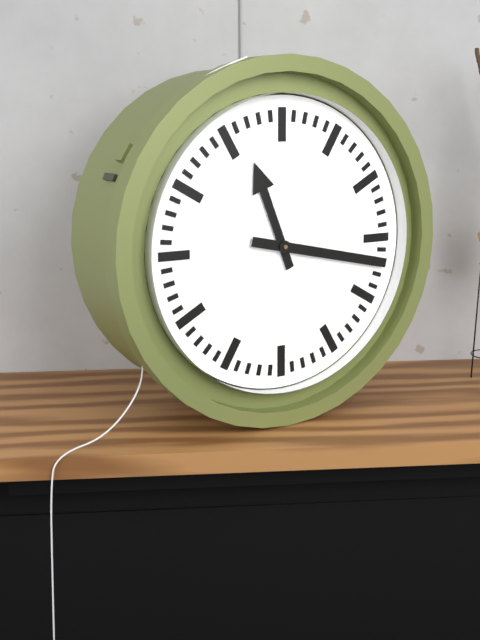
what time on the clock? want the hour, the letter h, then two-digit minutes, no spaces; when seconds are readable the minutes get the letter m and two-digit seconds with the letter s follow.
11h17
